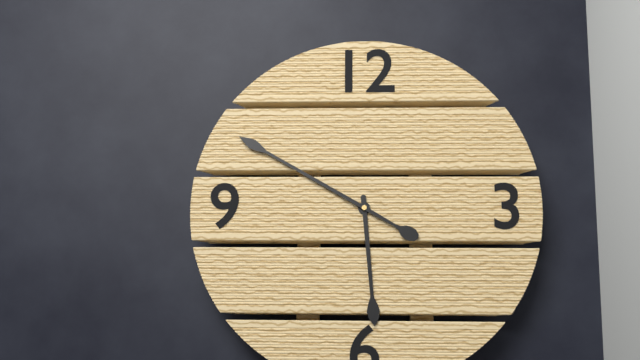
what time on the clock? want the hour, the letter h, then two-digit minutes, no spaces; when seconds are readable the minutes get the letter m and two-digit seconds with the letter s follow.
5h50
